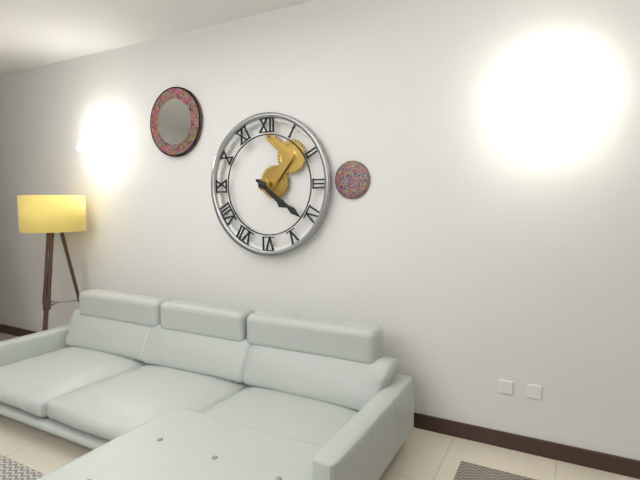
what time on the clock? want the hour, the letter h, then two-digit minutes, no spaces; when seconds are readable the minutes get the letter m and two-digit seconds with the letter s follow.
4h21
